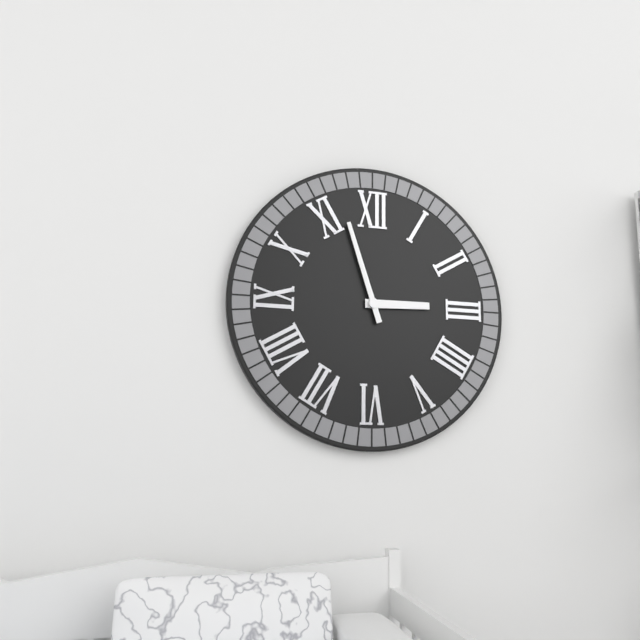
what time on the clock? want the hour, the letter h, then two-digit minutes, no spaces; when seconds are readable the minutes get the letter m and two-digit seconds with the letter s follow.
2h57
